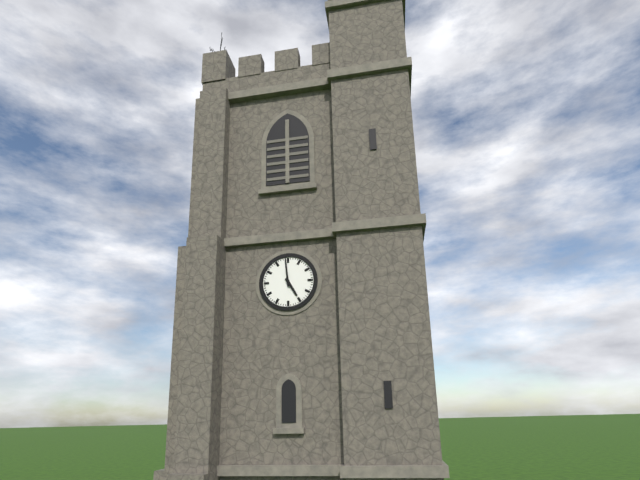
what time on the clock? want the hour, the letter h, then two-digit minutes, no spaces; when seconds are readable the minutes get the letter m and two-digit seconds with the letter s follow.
4h59
